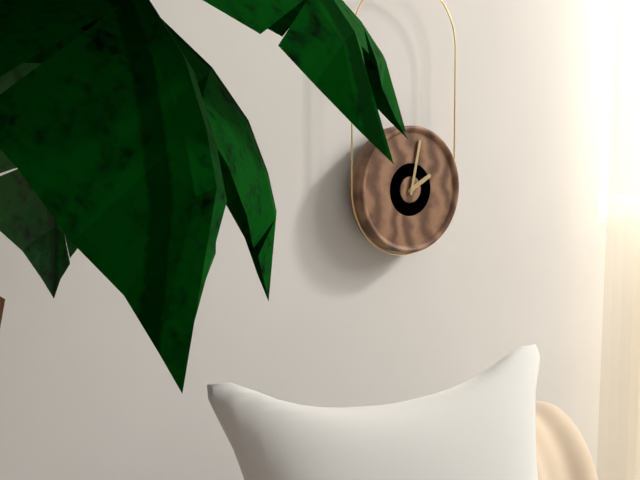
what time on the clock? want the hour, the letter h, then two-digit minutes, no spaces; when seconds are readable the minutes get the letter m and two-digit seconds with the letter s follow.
2h02
